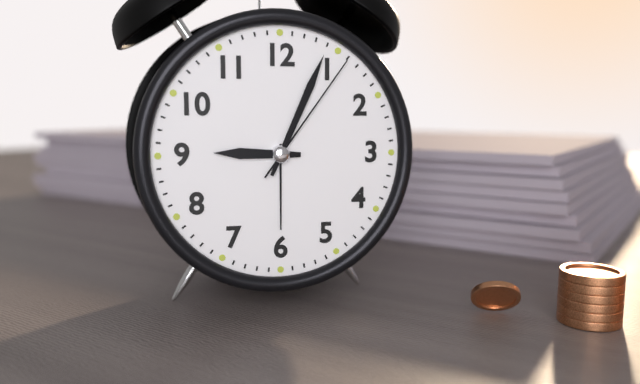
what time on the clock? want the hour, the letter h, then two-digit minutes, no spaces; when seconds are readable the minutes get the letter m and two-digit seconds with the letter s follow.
9h04m06s
